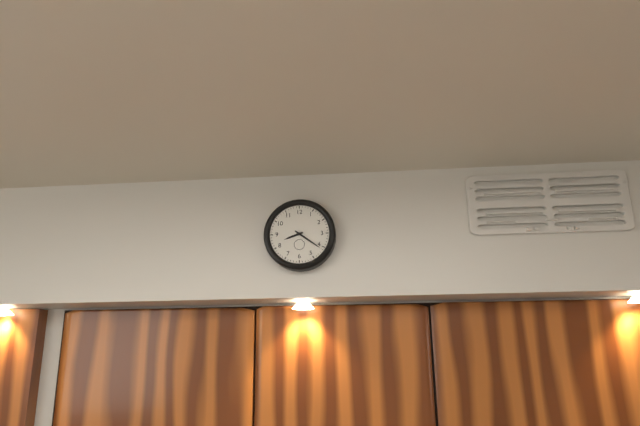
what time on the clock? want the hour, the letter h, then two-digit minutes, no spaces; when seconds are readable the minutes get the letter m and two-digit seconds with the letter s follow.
8h21
